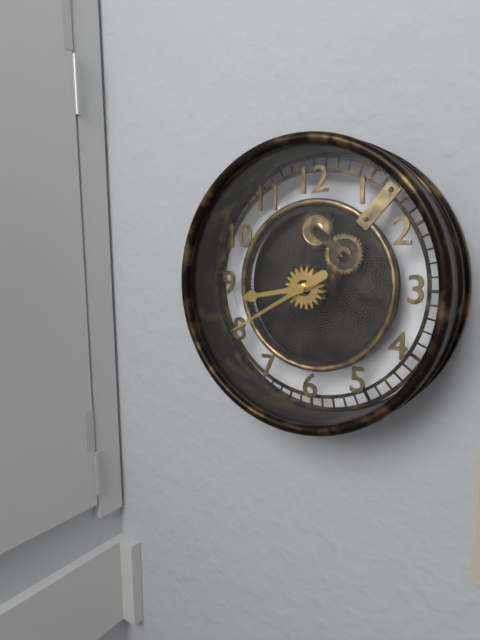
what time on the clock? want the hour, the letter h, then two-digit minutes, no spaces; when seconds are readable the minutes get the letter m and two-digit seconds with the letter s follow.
8h40
